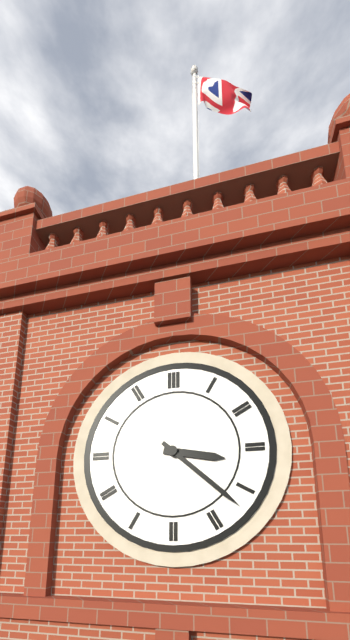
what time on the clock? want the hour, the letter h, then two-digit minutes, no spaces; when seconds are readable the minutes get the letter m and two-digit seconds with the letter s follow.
3h22
